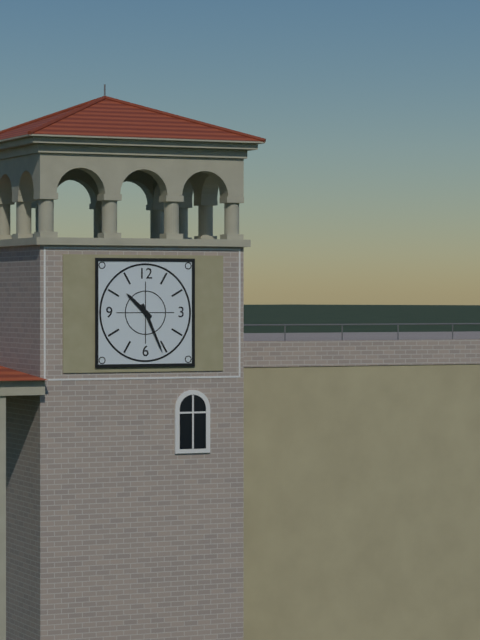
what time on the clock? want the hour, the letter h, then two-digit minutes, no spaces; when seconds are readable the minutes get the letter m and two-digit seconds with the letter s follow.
10h26
